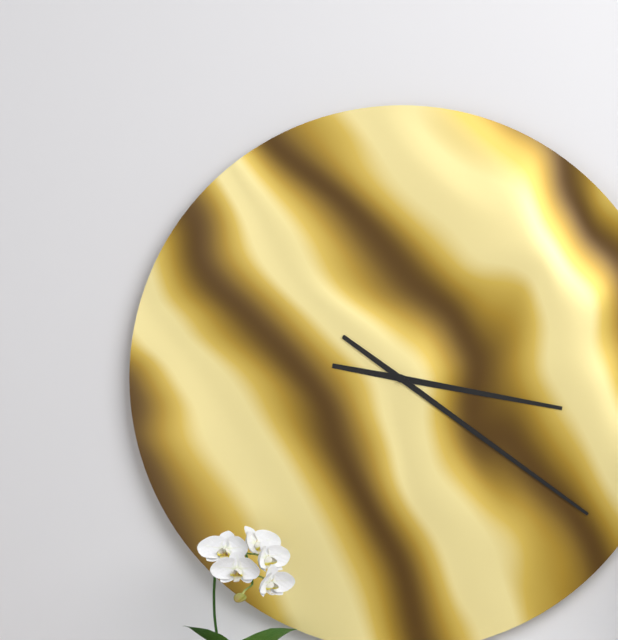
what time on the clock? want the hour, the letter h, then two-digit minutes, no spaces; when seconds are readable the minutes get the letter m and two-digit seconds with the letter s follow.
3h21
